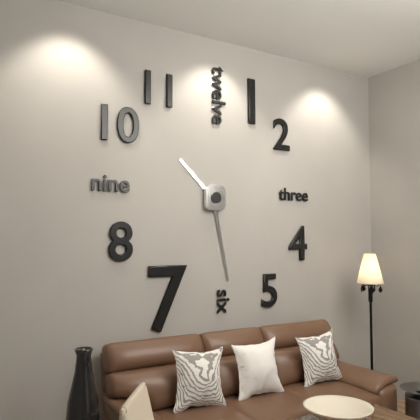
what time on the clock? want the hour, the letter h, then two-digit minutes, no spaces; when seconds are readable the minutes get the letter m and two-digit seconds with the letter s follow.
10h28
